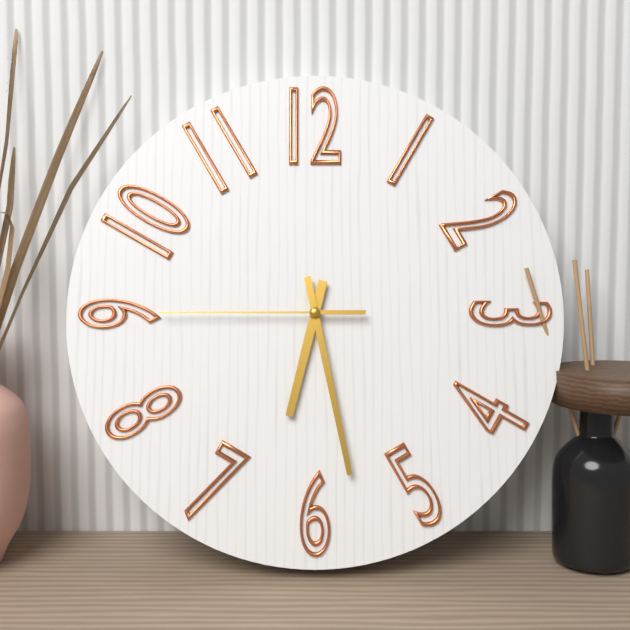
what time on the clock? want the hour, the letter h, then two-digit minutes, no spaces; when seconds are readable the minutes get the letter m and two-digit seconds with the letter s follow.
6h28m45s
